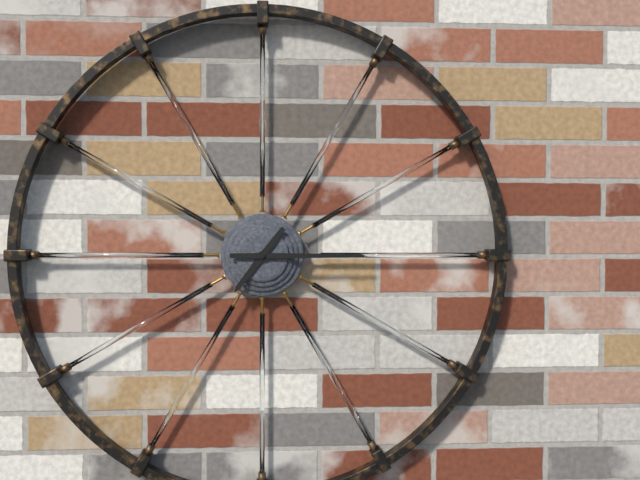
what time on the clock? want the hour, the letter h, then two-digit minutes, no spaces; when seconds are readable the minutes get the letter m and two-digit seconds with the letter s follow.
7h15
